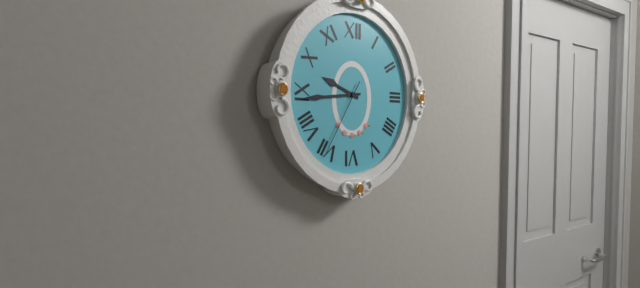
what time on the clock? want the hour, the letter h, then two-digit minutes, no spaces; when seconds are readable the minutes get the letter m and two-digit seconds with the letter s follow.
9h44m35s
